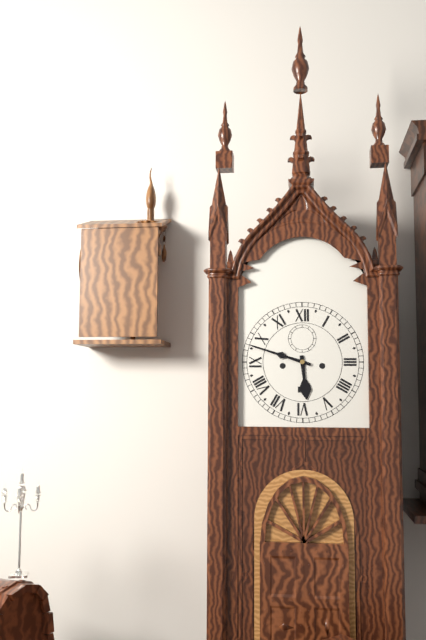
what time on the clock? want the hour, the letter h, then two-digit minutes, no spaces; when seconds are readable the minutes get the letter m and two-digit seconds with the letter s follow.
5h48
